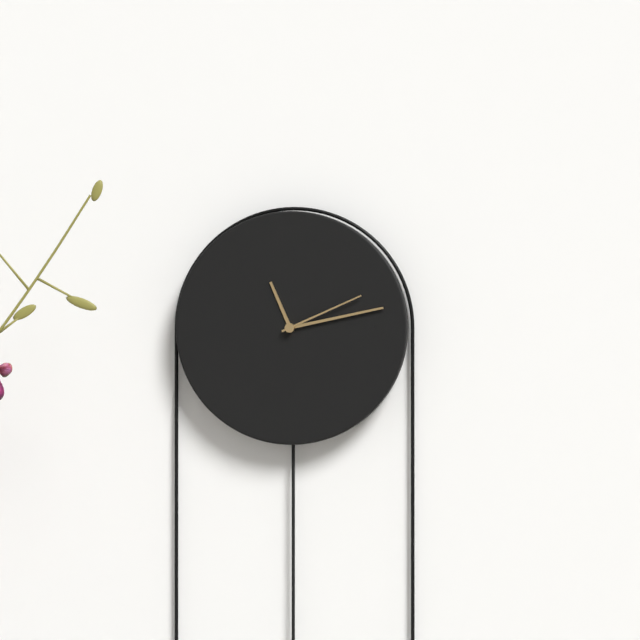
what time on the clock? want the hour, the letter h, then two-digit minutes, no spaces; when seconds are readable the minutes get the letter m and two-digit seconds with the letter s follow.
11h13m11s
